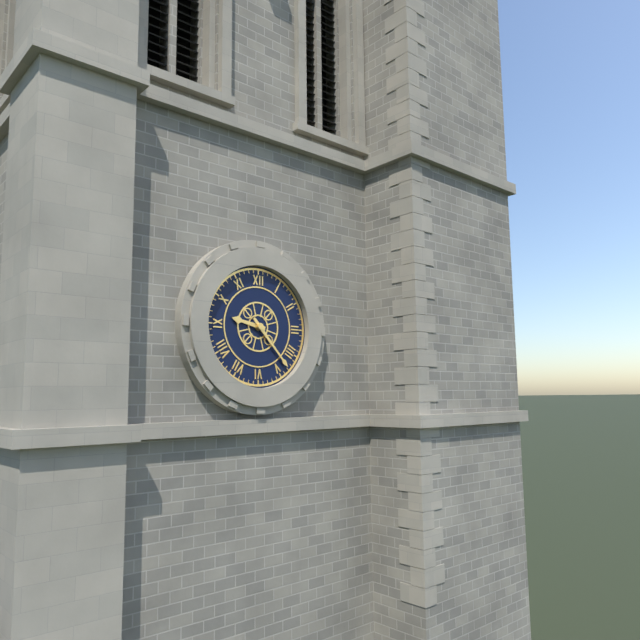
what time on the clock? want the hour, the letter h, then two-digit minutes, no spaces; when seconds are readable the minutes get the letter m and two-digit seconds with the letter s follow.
9h23
